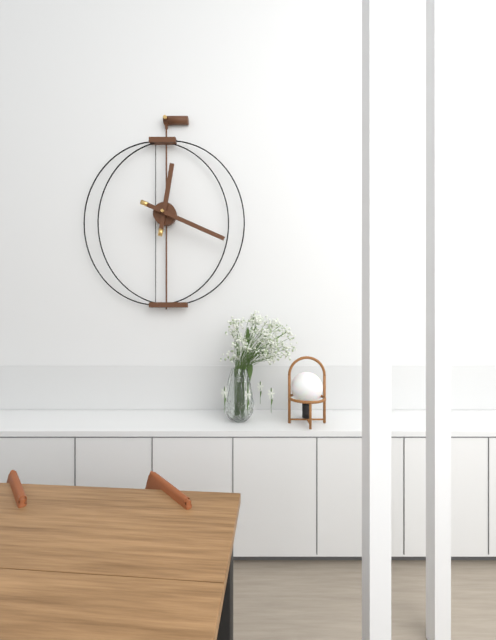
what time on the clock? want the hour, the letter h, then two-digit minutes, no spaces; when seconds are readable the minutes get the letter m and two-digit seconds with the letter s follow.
12h19
